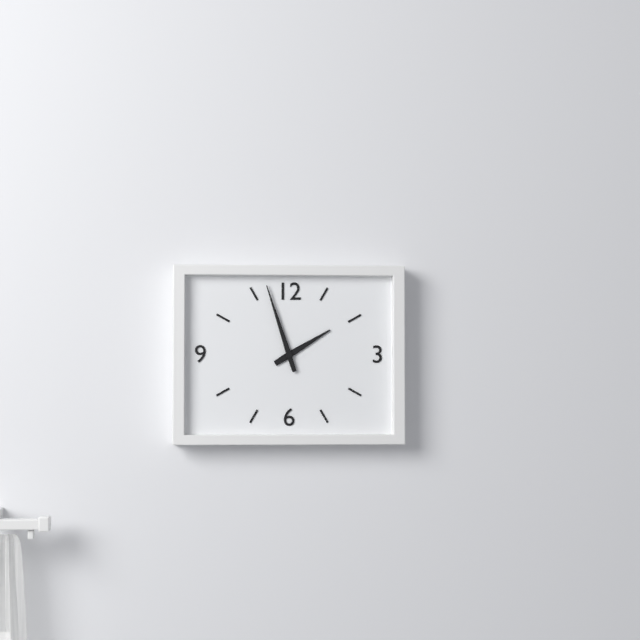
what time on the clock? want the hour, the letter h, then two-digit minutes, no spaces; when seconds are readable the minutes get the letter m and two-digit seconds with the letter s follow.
1h57
